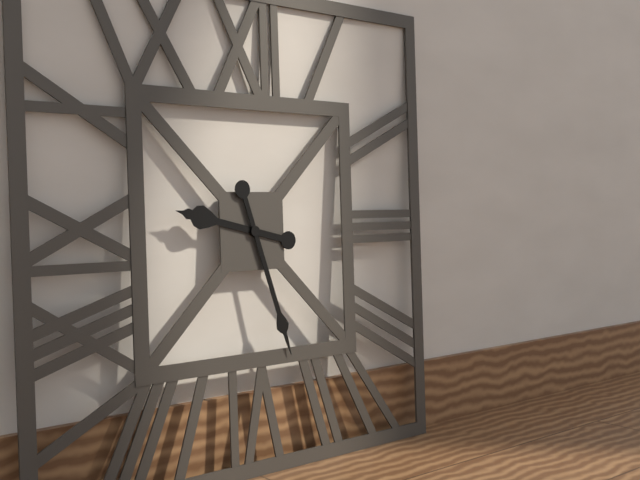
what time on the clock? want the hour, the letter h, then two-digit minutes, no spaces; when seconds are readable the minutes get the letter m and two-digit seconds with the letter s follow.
9h27
